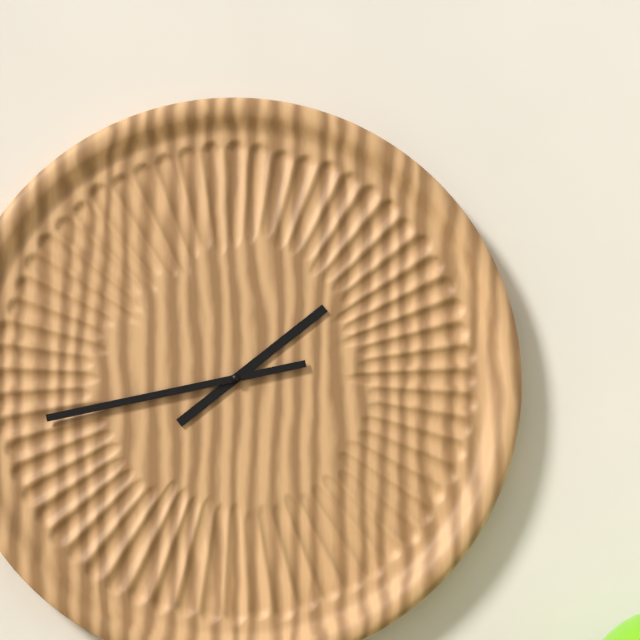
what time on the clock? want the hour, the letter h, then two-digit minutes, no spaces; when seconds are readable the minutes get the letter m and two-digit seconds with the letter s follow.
1h43
